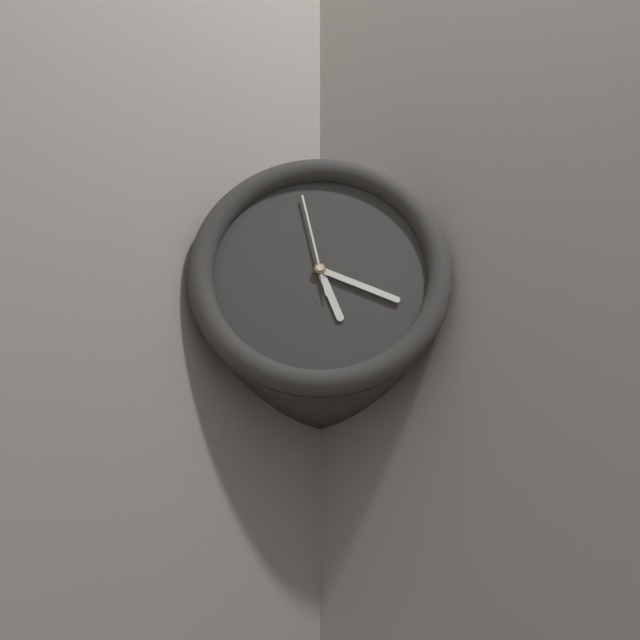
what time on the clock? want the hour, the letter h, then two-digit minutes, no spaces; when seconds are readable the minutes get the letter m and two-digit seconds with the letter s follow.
5h19m58s
